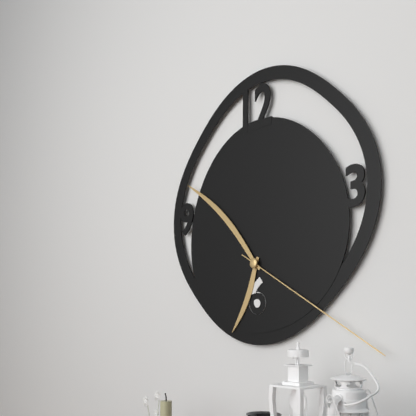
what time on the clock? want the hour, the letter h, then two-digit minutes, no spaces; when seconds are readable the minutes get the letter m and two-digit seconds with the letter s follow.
6h52m20s
